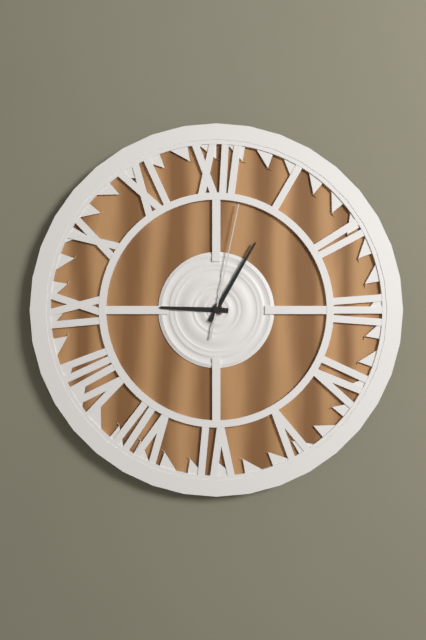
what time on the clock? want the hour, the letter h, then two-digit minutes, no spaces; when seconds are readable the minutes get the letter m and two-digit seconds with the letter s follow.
9h05m02s
